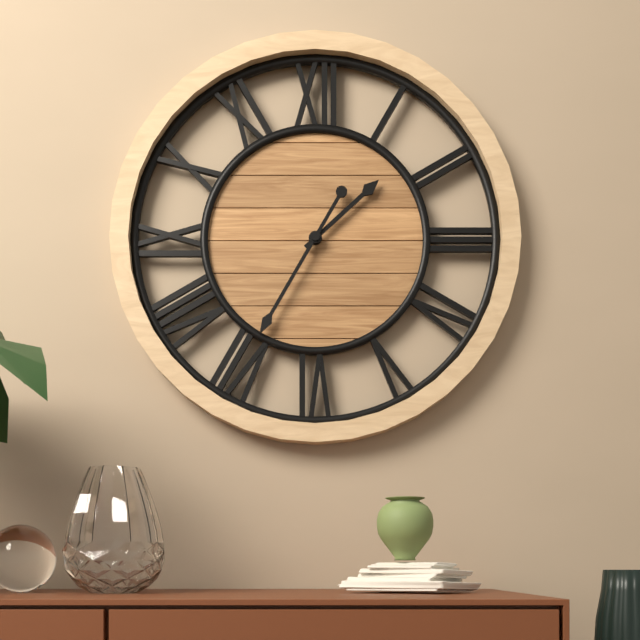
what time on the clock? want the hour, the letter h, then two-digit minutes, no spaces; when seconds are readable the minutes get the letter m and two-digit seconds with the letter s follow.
1h35
